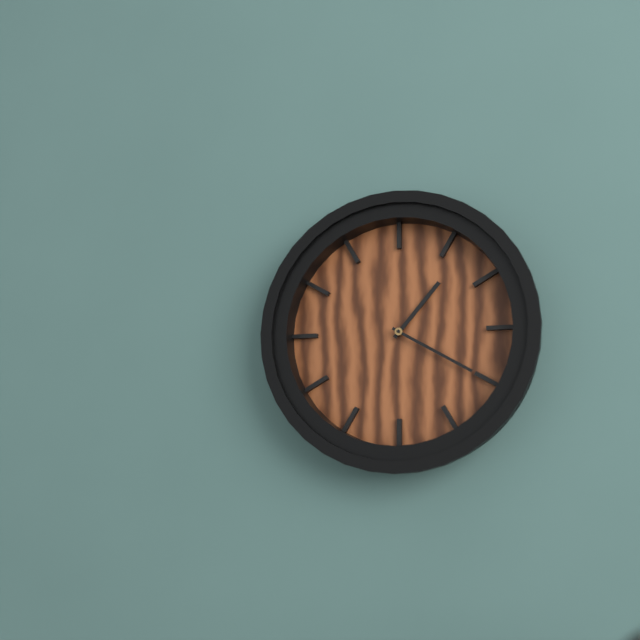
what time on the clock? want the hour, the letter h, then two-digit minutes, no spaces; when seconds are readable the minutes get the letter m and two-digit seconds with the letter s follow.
1h20
